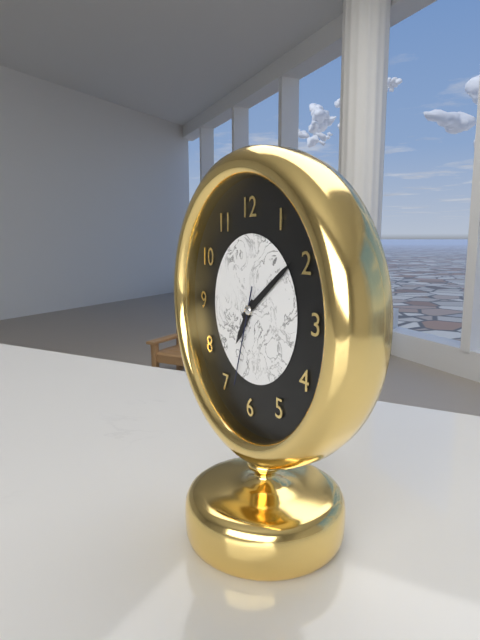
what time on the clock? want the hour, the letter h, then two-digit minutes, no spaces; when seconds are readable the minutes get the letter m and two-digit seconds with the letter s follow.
7h09m33s
